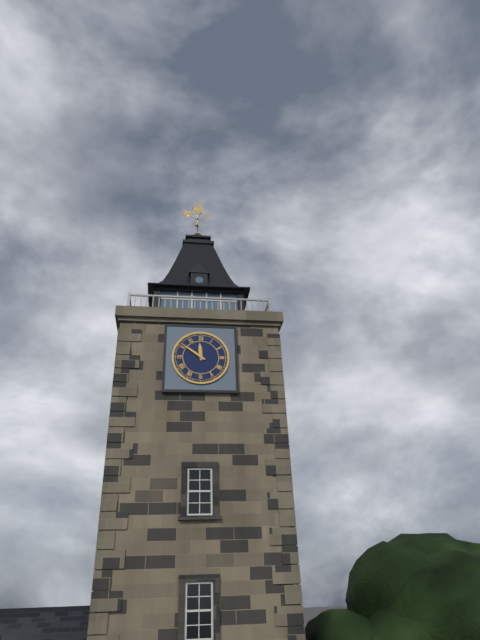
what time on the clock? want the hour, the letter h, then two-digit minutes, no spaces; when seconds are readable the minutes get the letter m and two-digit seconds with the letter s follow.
11h51
